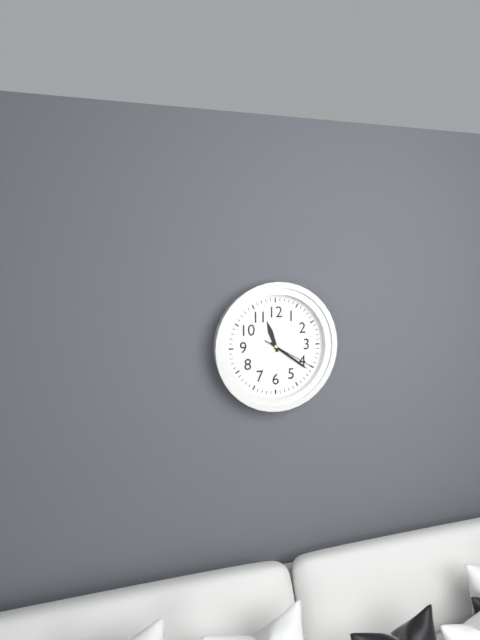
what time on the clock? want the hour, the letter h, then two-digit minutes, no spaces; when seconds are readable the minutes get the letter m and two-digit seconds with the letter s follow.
11h21m20s
